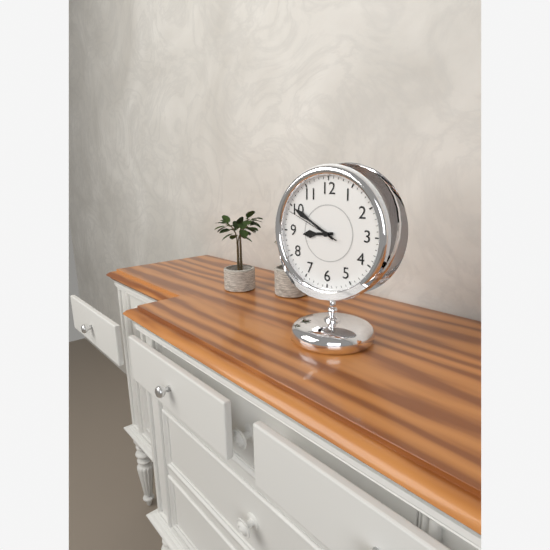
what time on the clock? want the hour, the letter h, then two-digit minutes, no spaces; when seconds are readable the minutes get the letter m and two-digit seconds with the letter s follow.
8h50m49s
